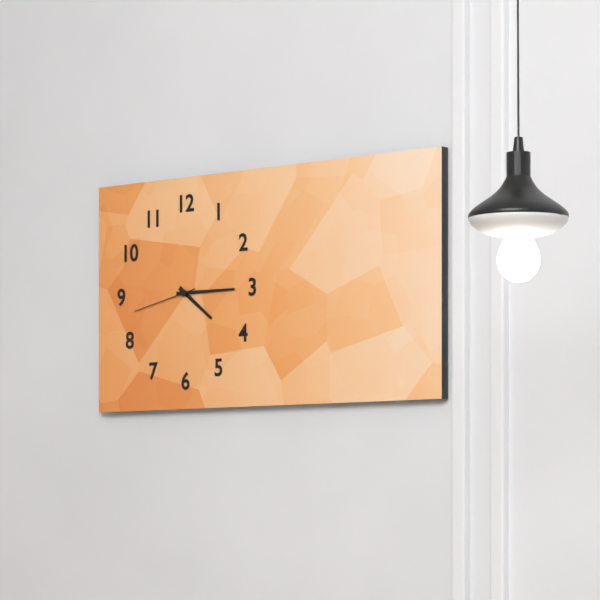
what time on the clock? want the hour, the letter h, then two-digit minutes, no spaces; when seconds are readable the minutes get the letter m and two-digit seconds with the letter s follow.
4h15m43s
